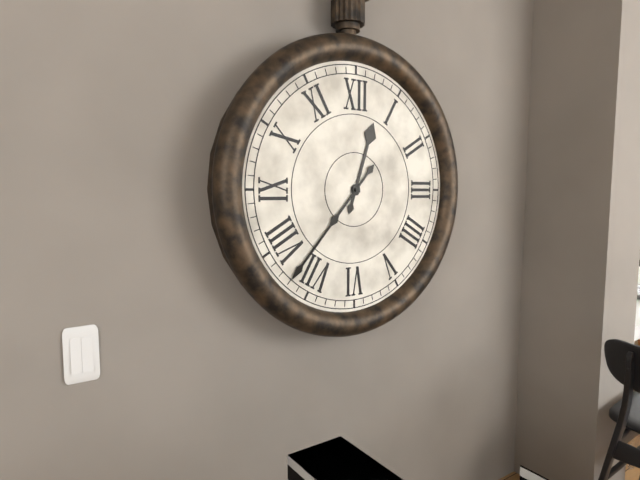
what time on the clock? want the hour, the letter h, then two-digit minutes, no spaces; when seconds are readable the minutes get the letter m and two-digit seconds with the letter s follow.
12h37
